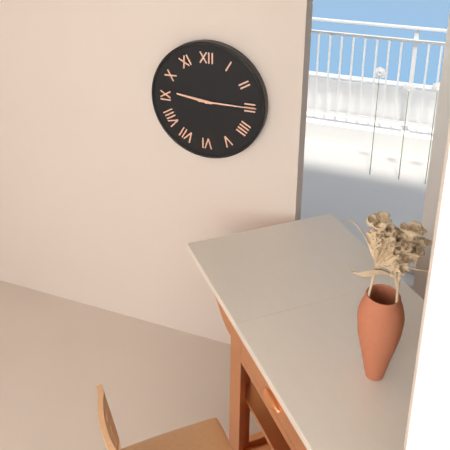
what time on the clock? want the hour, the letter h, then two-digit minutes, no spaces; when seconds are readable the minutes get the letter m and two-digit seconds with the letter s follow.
9h15
